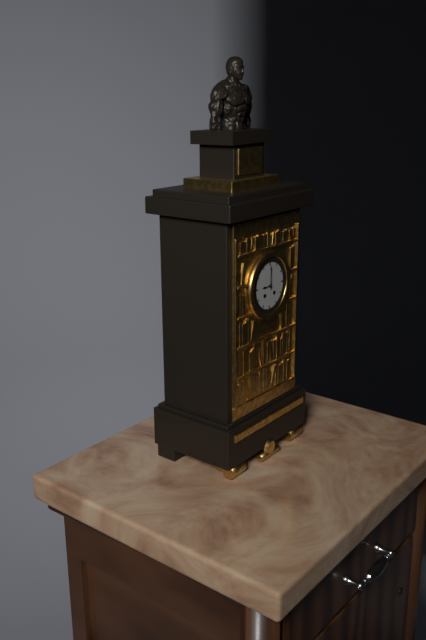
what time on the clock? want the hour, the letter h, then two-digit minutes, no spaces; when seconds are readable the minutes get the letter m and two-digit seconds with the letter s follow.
9h00
